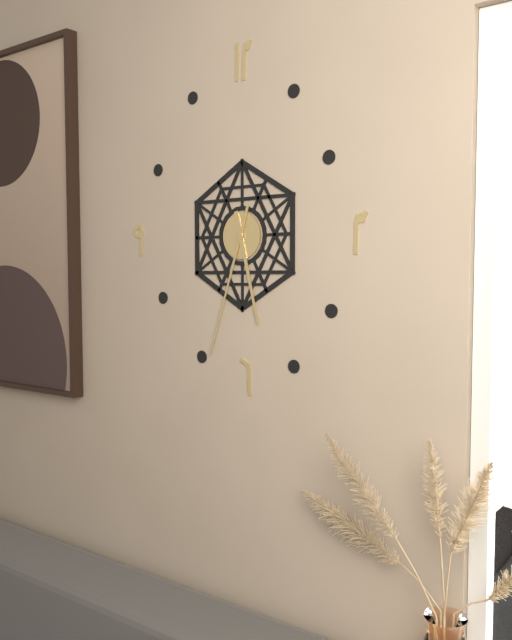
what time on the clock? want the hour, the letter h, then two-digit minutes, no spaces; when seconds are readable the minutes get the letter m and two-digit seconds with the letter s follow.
5h33
